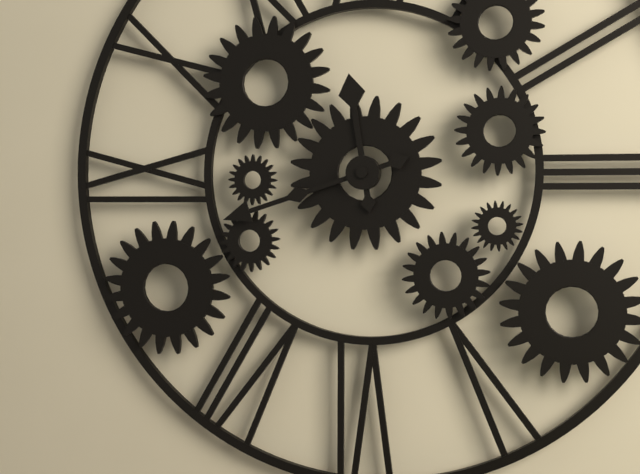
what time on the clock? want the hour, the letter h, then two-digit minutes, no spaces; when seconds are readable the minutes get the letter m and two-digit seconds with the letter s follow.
11h42
